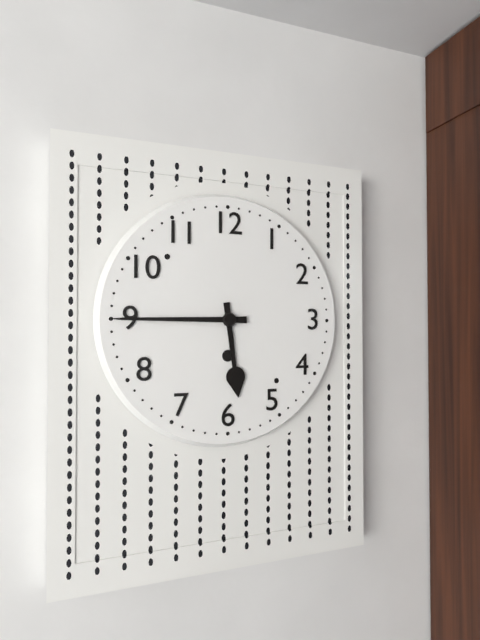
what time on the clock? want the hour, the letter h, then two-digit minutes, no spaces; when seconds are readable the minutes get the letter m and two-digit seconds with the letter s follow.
5h45
